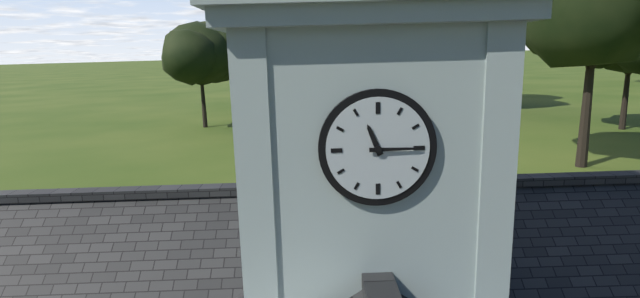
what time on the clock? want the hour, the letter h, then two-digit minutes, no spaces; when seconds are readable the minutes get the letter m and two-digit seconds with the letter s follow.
11h15
